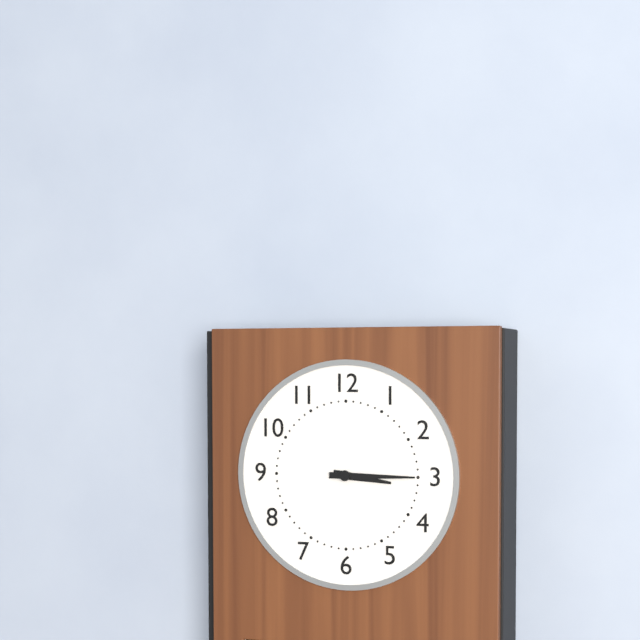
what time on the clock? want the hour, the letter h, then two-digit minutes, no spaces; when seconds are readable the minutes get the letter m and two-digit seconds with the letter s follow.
3h15
